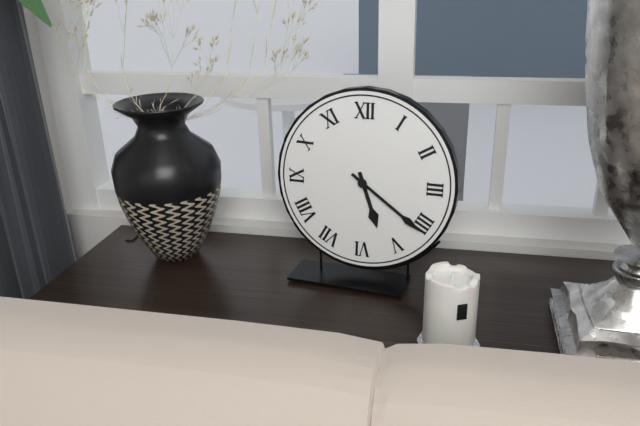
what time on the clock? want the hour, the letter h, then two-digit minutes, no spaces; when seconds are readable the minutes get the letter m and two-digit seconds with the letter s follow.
5h21
